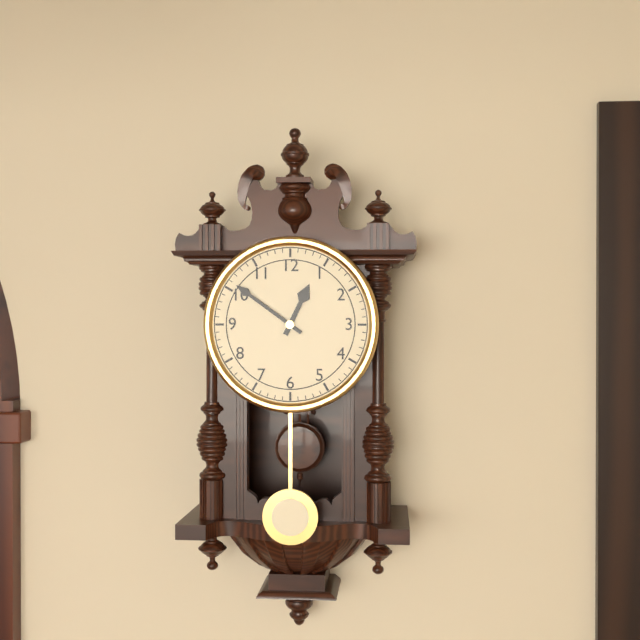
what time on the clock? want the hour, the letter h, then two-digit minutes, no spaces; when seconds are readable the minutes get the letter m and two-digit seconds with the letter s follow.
12h51
